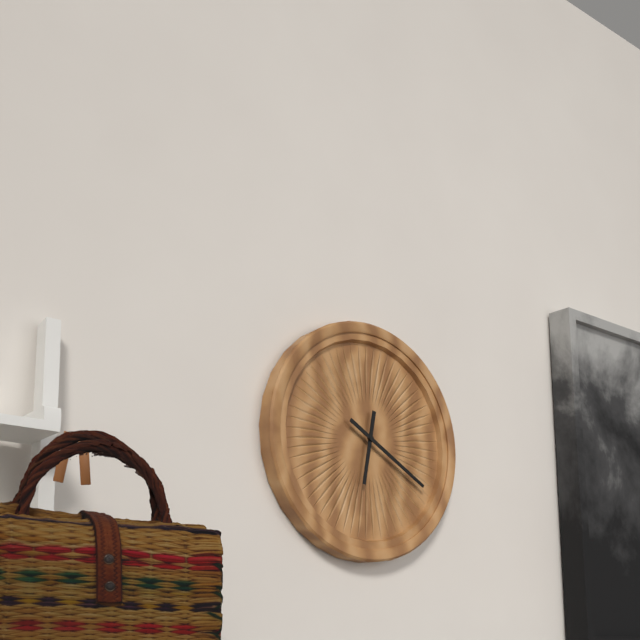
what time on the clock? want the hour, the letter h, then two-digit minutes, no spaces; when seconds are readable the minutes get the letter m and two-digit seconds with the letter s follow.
6h20
